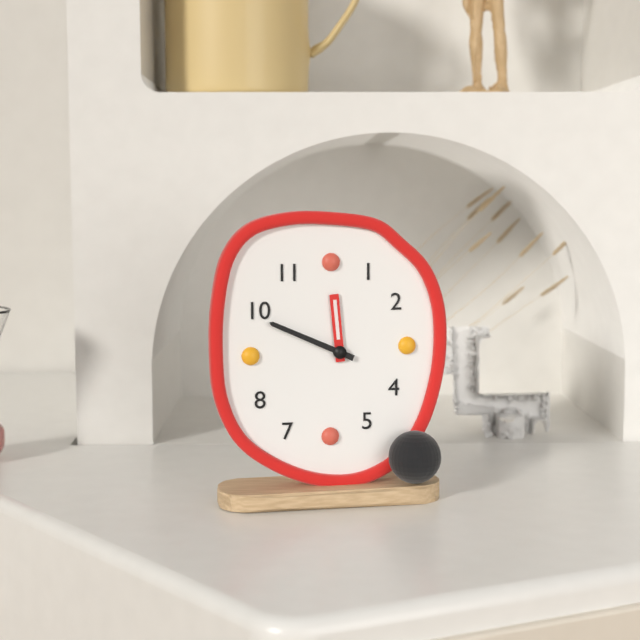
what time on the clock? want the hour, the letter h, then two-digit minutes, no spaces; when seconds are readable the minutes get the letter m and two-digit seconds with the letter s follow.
11h49
